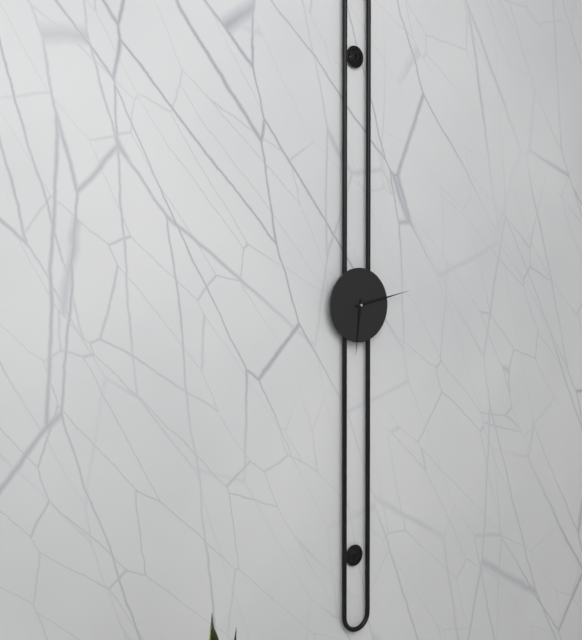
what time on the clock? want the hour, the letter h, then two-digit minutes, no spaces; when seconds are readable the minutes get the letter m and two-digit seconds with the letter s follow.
6h13
